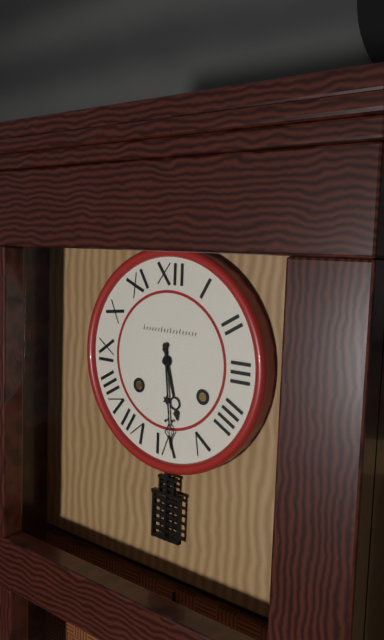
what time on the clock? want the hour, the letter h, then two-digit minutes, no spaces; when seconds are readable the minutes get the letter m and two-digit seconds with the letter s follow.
5h29
